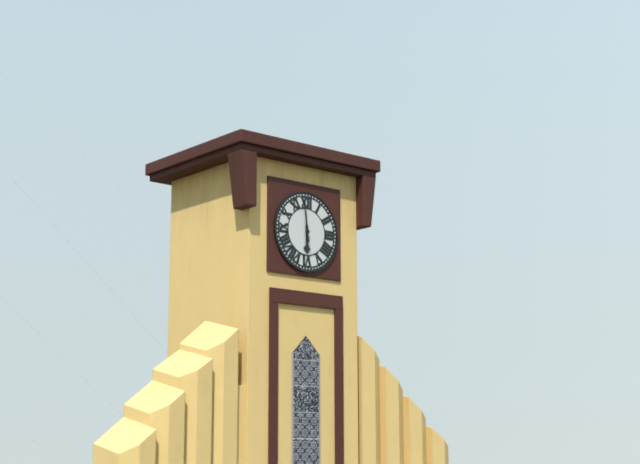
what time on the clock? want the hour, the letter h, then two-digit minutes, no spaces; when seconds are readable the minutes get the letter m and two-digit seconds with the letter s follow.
5h59
